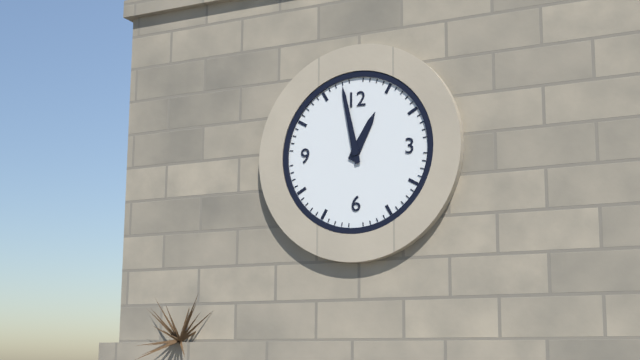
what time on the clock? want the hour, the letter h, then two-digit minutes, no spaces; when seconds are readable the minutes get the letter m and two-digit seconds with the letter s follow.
12h58
